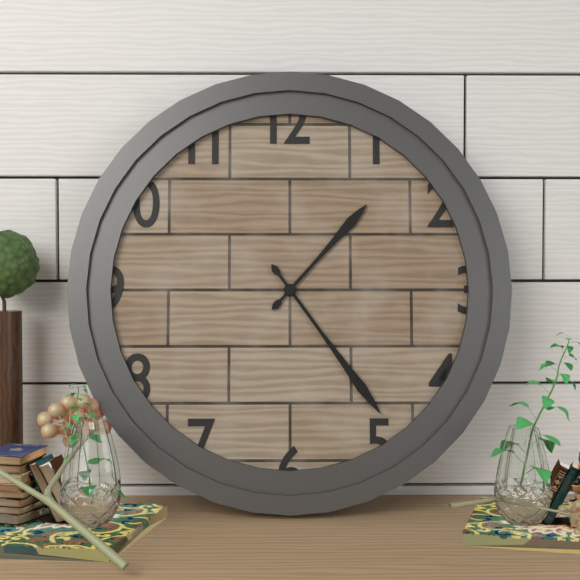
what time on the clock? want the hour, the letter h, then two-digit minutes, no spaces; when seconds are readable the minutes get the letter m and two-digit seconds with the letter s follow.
1h24
